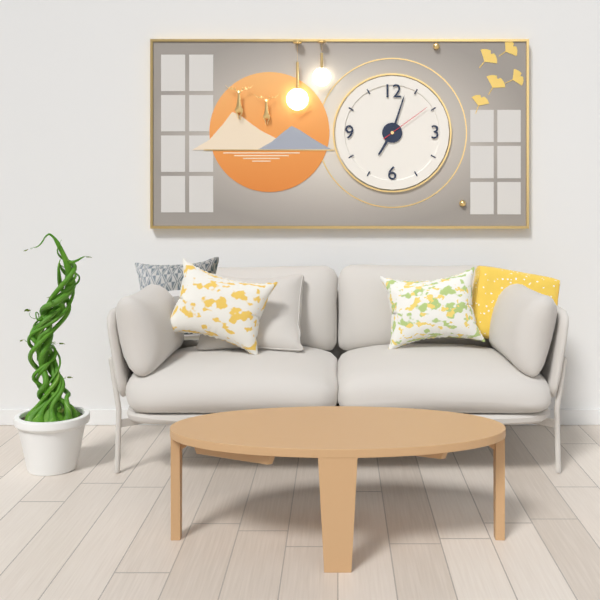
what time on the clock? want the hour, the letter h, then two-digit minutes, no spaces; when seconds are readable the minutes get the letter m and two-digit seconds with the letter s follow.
7h03m09s
